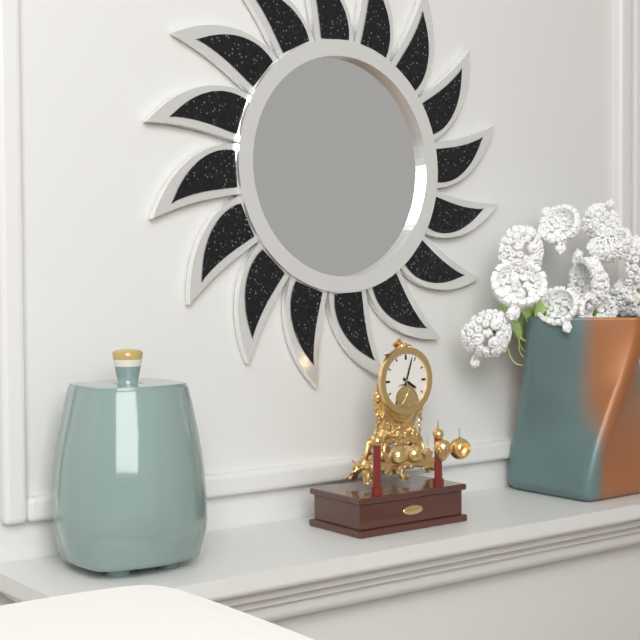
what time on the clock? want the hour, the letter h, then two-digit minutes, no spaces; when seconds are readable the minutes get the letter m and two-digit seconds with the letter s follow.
4h03
